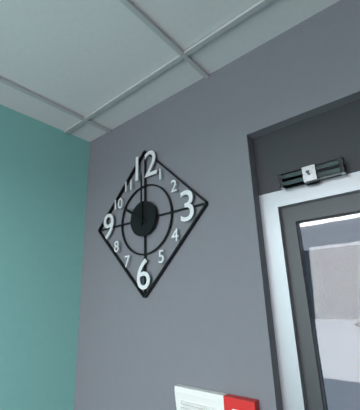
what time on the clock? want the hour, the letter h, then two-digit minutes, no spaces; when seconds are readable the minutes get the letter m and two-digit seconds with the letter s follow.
10h00
